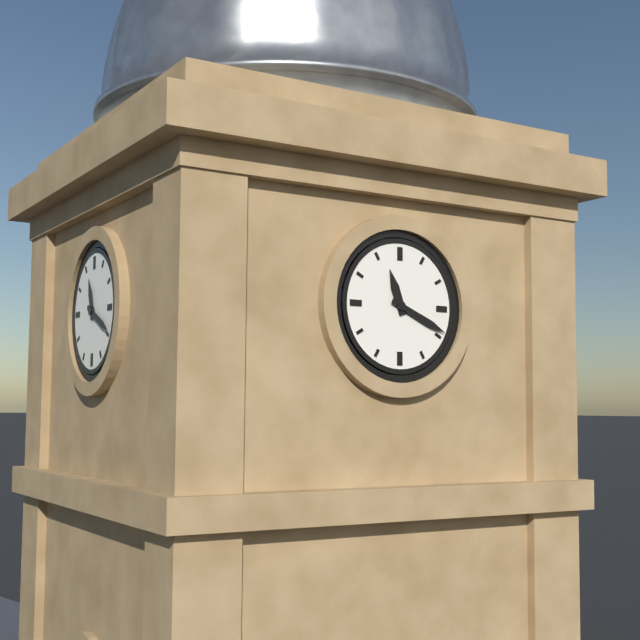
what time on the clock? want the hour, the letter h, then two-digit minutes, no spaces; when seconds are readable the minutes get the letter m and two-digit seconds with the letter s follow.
11h19
